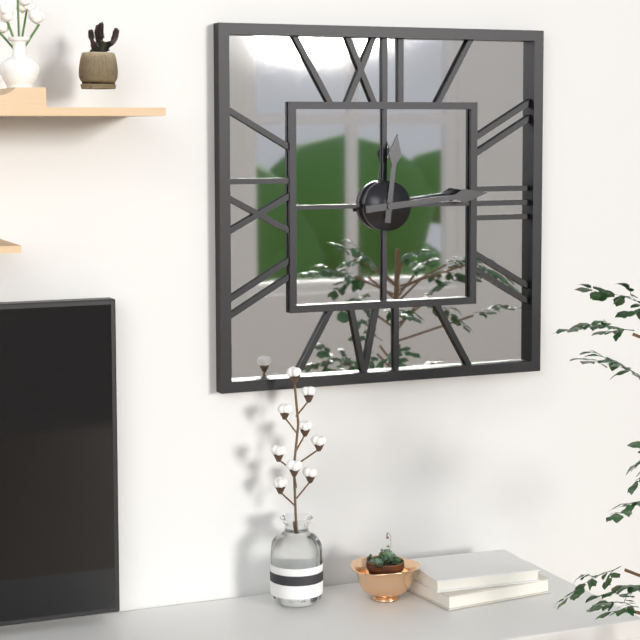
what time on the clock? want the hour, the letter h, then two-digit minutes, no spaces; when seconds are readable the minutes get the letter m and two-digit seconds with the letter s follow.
12h14
